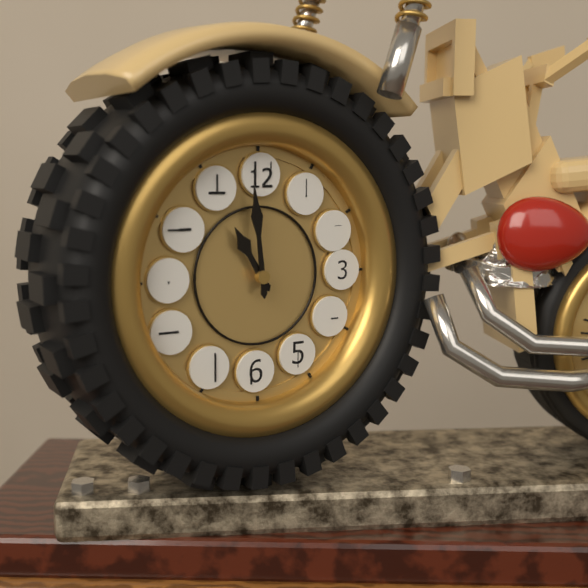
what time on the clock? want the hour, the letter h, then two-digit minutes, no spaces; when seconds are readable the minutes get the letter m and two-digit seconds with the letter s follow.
10h59
